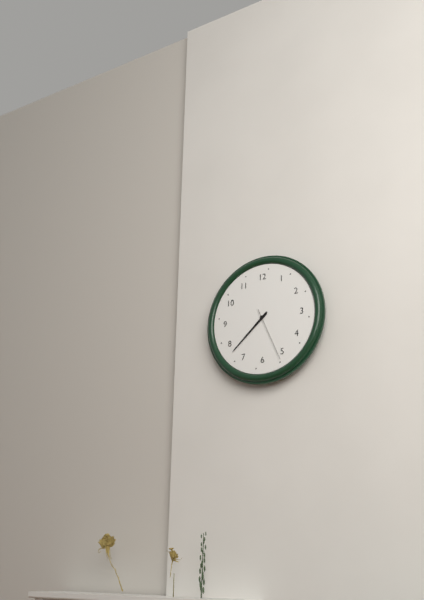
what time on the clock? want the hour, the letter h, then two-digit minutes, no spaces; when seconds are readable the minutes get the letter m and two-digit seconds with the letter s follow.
7h38m26s
